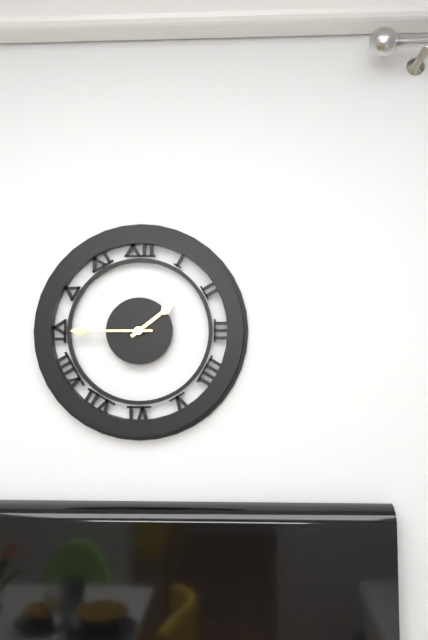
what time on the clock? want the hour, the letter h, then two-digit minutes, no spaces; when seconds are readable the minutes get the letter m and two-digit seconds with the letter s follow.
1h45
